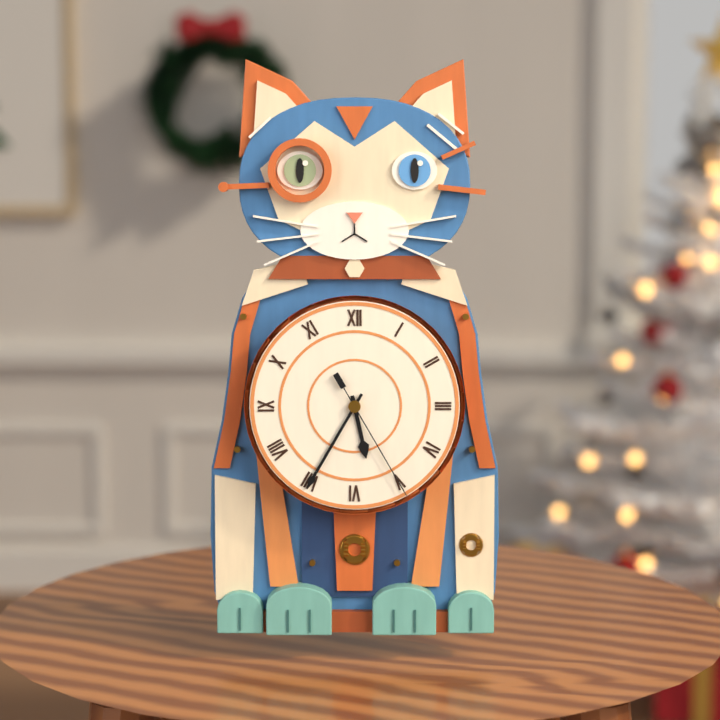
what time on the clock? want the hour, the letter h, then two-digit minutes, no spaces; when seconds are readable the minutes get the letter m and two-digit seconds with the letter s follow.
5h35m25s
